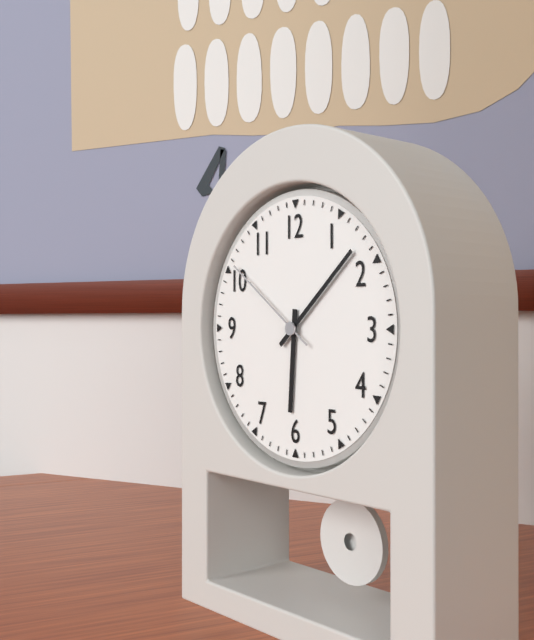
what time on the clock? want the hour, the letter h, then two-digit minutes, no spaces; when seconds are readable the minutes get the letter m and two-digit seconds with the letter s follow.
6h08m51s
